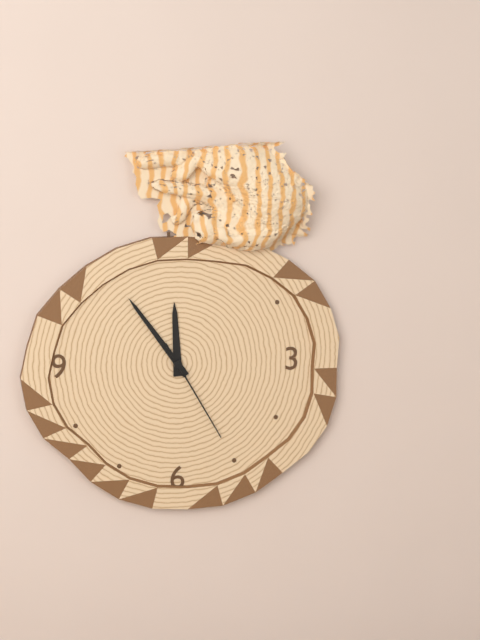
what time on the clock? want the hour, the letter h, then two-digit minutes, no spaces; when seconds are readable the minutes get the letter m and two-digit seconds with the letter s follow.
11h54m25s
